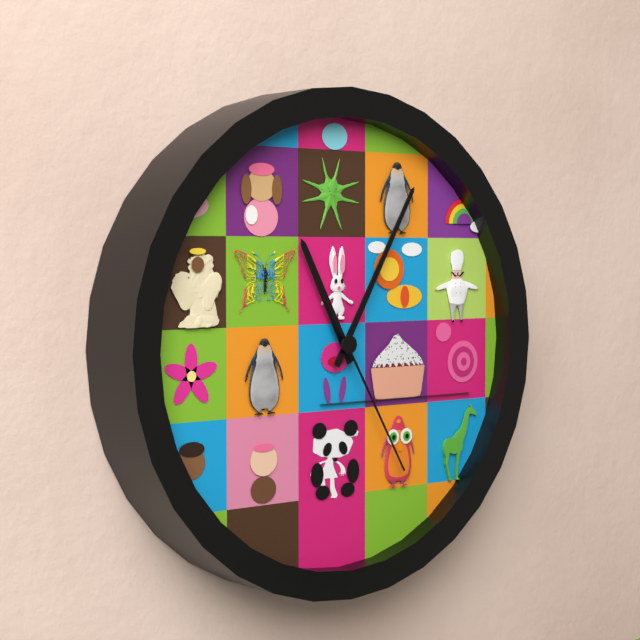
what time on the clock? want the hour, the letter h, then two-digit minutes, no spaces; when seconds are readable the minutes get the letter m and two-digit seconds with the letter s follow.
11h05m25s
